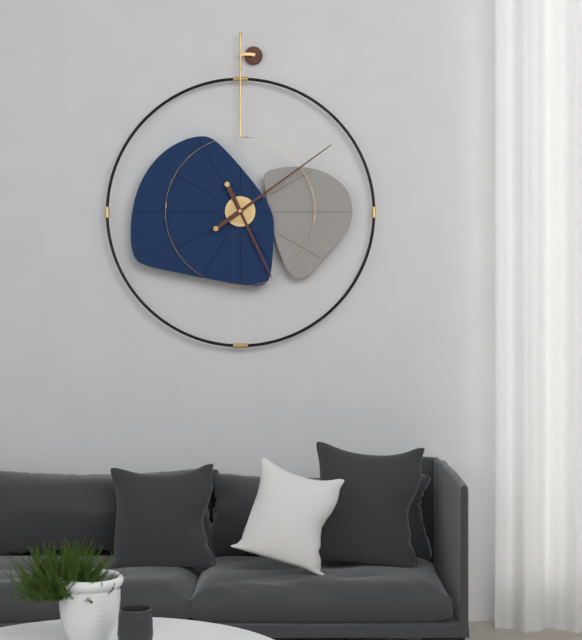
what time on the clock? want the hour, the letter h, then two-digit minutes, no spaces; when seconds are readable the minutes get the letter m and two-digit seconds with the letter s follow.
5h09
